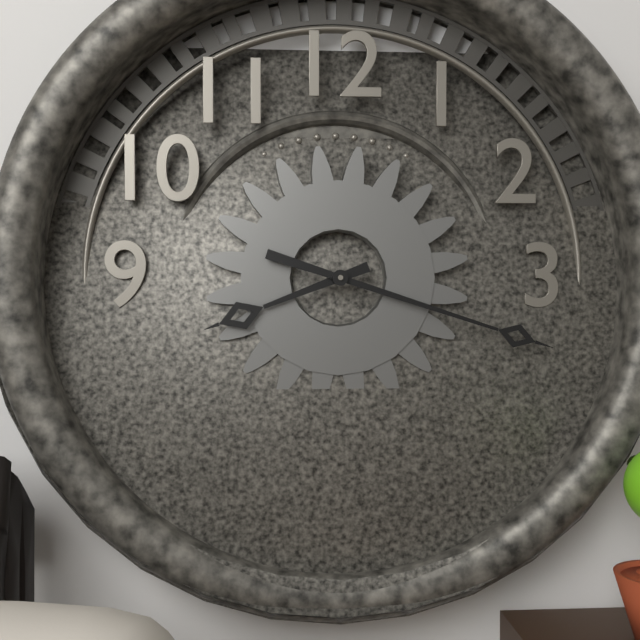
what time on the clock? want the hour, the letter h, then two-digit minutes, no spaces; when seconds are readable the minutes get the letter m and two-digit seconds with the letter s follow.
8h18
